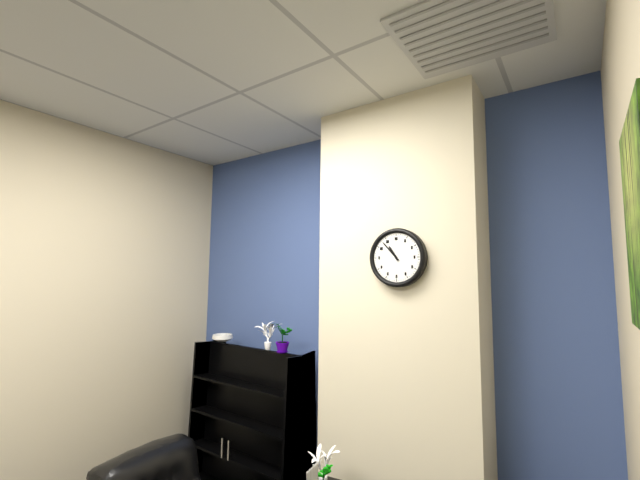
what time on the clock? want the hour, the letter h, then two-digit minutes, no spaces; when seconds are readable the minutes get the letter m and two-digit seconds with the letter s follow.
10h53
